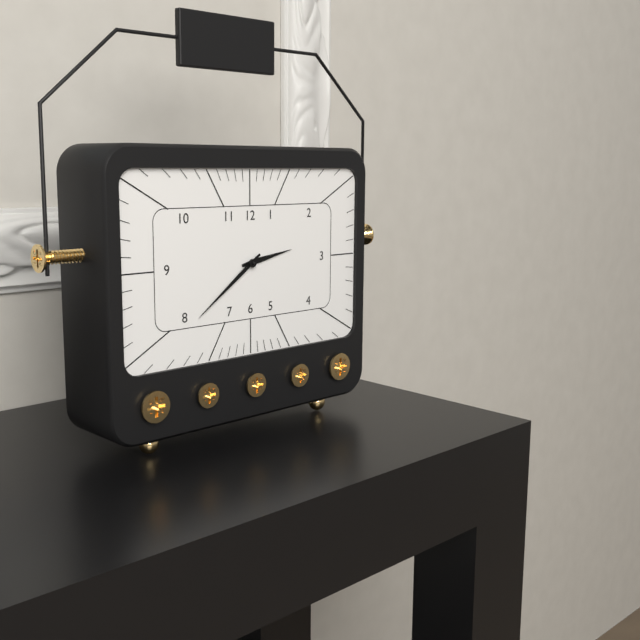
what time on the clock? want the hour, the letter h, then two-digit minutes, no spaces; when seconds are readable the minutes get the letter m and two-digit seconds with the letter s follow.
2h39
